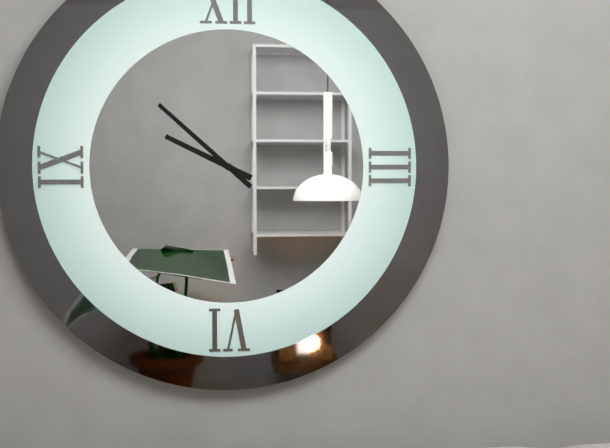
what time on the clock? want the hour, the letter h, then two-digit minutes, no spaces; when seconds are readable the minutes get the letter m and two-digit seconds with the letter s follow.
9h52
